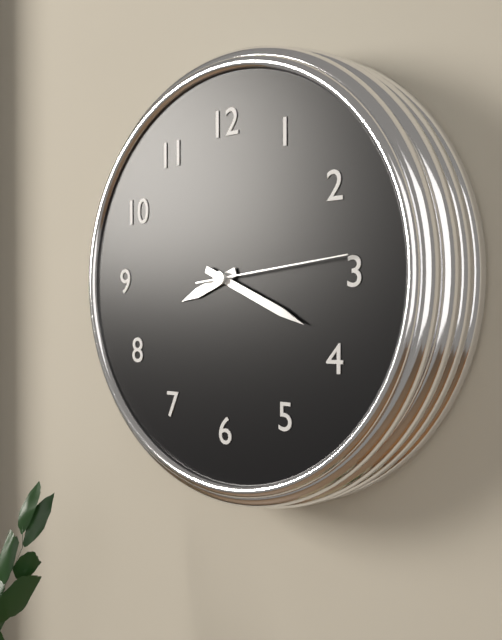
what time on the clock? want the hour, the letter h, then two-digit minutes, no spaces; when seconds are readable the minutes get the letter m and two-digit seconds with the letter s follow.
8h19m14s
